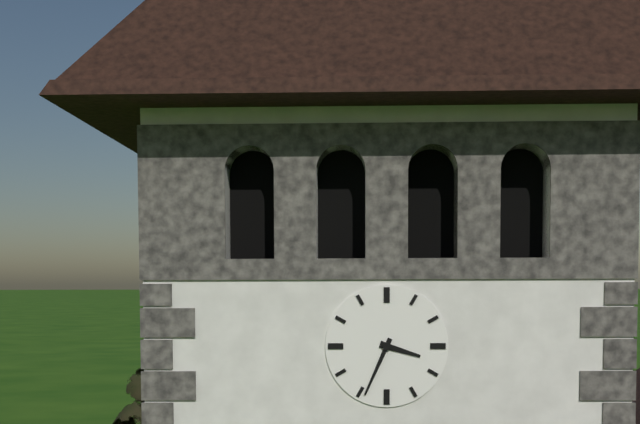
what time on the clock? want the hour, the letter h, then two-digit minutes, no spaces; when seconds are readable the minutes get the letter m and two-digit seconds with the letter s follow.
3h34
